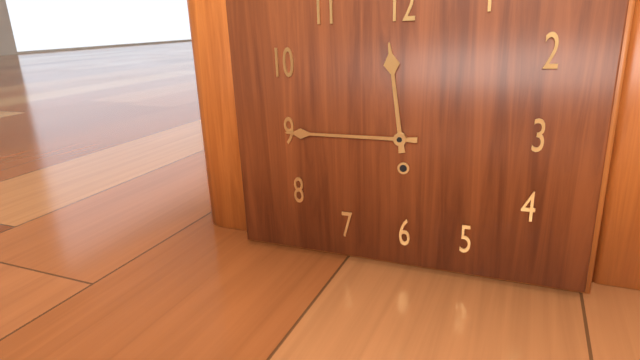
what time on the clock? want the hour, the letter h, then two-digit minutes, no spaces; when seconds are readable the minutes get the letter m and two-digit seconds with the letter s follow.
11h45
